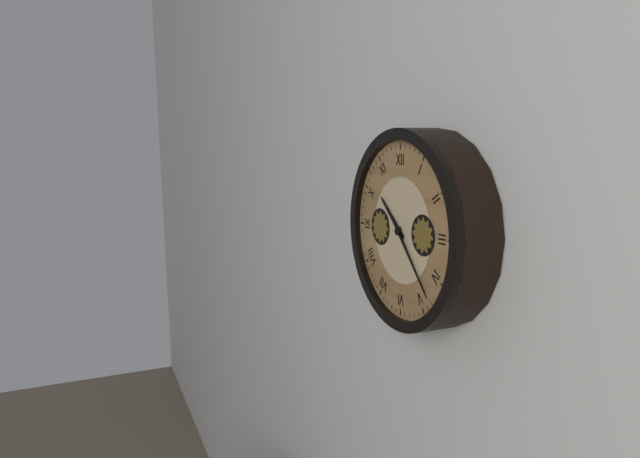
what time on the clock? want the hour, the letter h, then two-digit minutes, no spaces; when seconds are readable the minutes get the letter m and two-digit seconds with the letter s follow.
10h23
